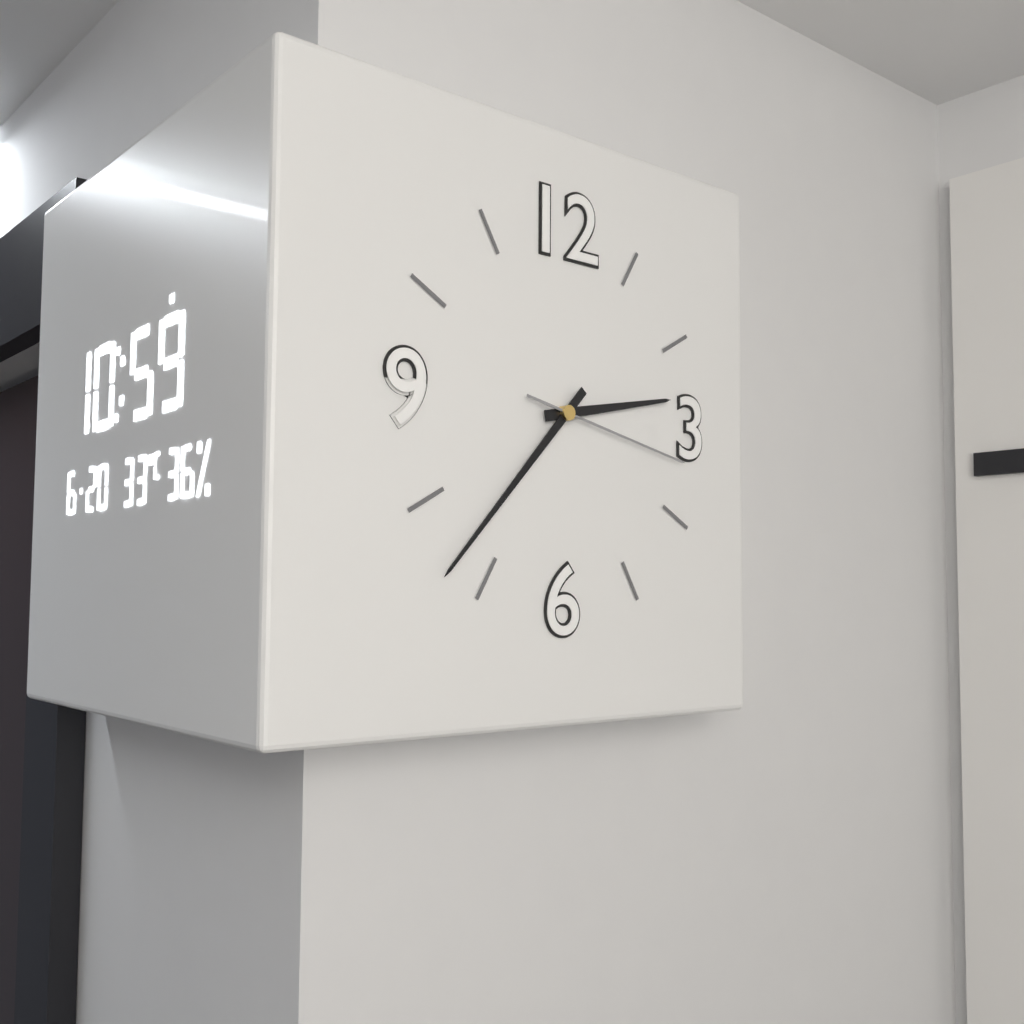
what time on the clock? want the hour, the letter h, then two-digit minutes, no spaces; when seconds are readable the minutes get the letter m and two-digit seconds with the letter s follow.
2h37m17s
